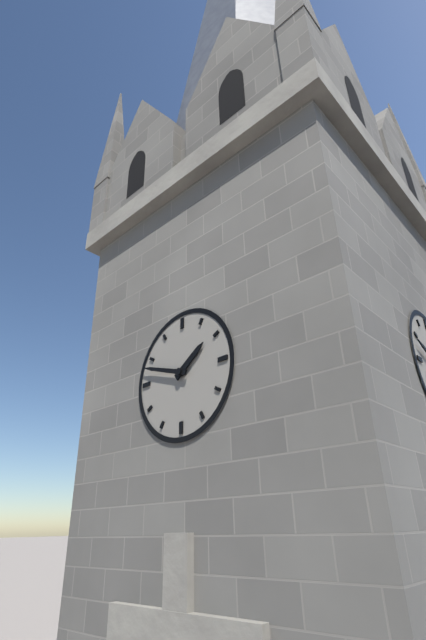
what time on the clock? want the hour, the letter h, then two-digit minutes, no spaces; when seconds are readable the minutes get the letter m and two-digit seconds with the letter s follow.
1h48
